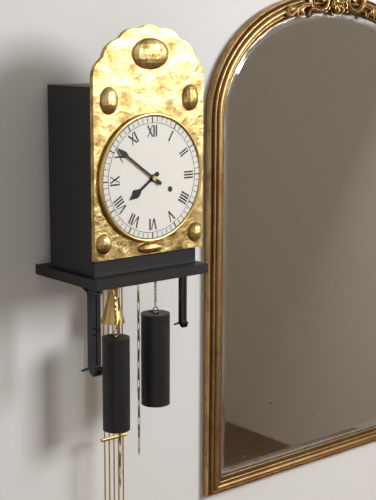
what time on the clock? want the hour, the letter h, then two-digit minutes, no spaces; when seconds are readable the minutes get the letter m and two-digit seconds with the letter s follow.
7h51
